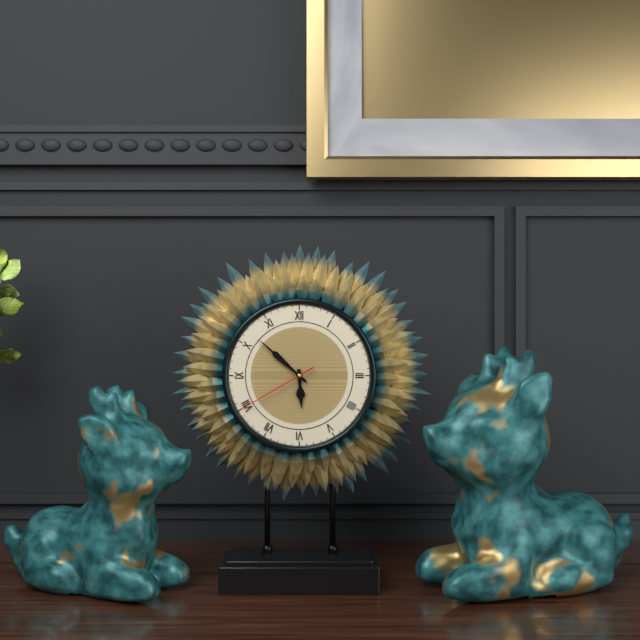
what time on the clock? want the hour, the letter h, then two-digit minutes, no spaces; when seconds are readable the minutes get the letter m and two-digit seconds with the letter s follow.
5h52m40s
